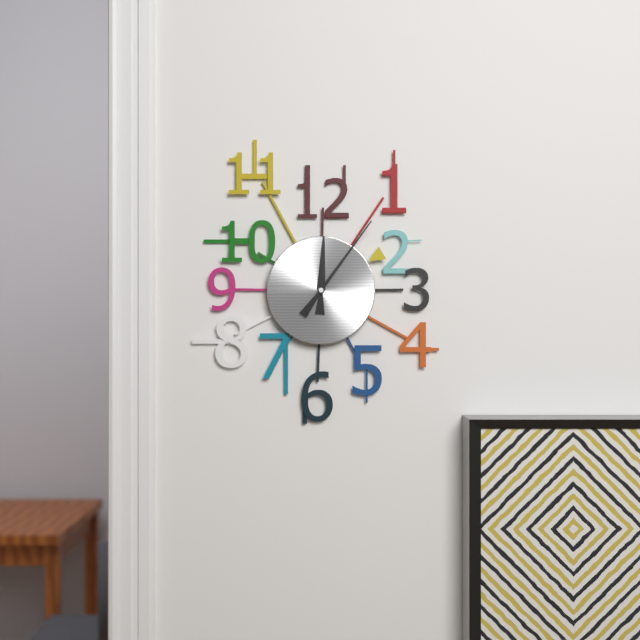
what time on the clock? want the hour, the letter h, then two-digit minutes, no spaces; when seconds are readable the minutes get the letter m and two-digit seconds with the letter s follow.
12h06
